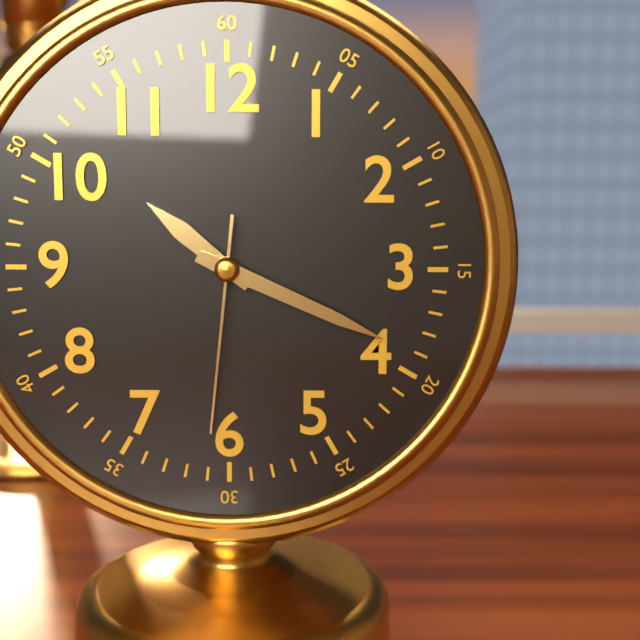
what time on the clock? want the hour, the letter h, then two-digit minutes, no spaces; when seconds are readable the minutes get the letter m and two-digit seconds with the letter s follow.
10h19m31s
